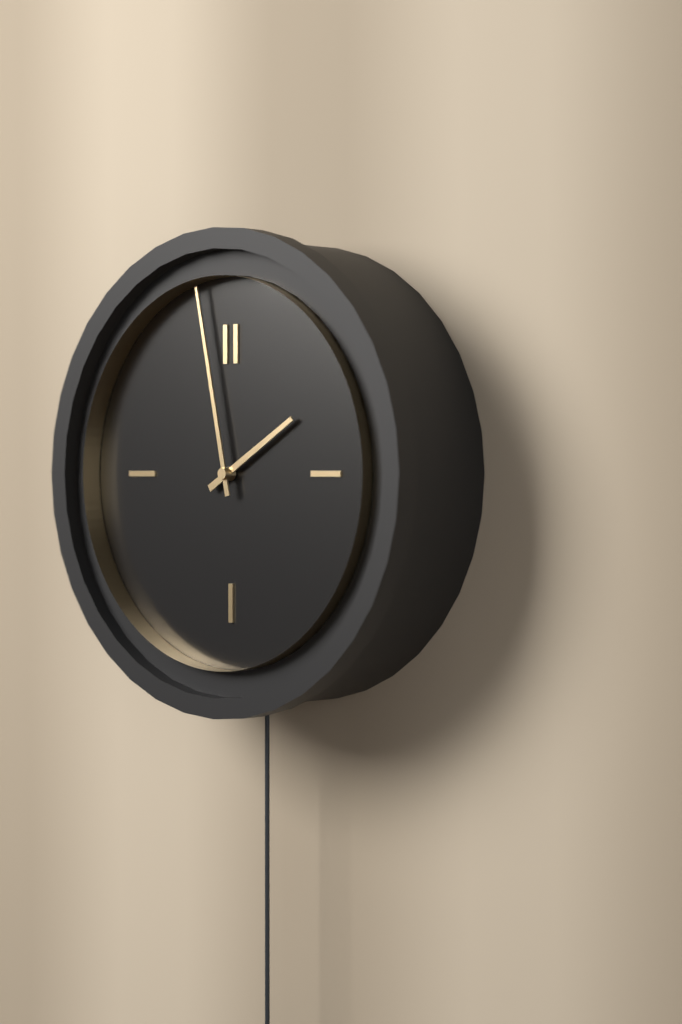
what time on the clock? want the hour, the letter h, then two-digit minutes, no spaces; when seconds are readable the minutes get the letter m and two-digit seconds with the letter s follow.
1h58
